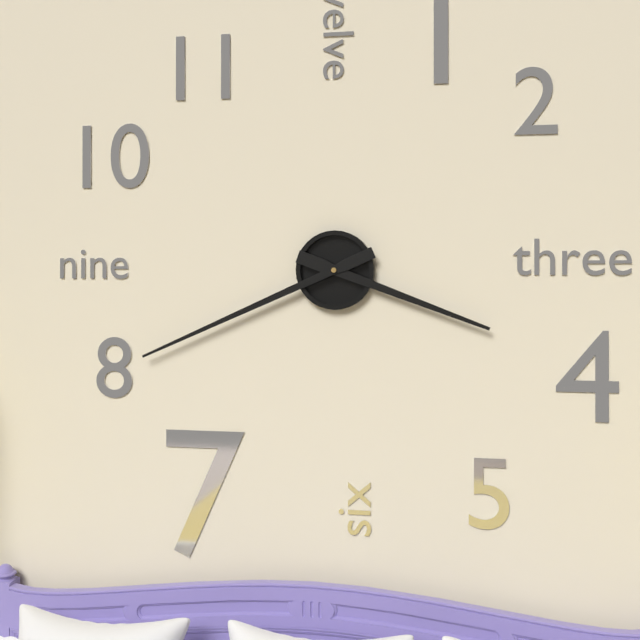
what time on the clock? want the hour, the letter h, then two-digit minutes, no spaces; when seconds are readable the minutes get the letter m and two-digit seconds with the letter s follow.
3h41
